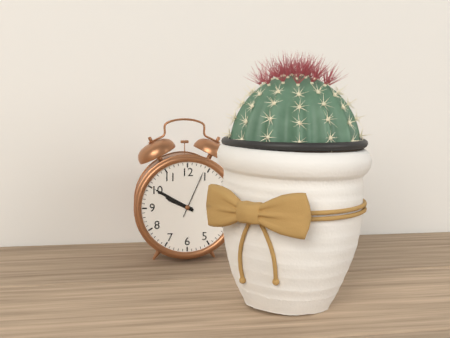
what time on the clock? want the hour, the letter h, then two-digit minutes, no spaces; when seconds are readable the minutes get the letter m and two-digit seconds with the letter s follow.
9h50m04s
